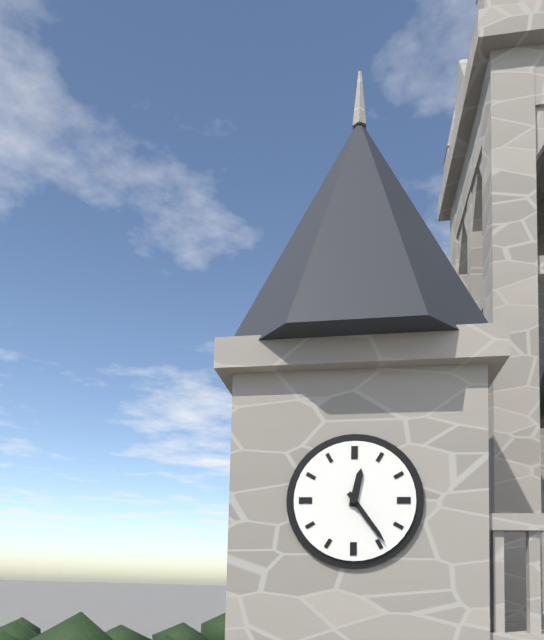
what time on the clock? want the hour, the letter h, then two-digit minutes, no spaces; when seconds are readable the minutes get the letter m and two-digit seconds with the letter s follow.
12h24
